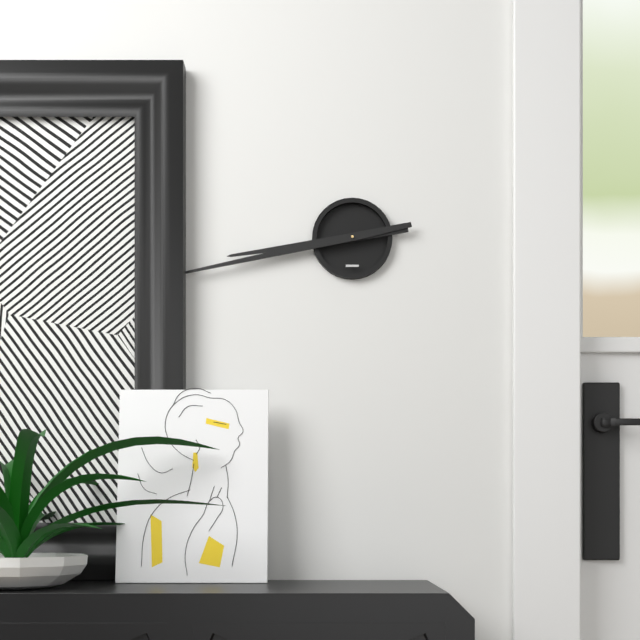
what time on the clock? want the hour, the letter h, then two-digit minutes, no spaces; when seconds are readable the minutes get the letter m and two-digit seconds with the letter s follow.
8h43
